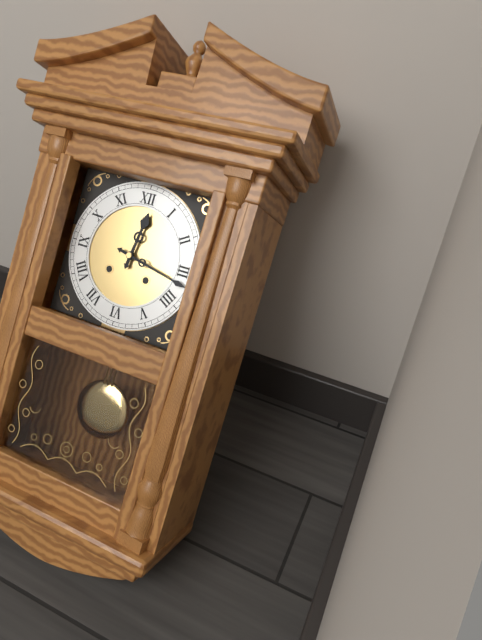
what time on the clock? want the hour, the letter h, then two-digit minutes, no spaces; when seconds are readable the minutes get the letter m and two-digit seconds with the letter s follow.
12h17
